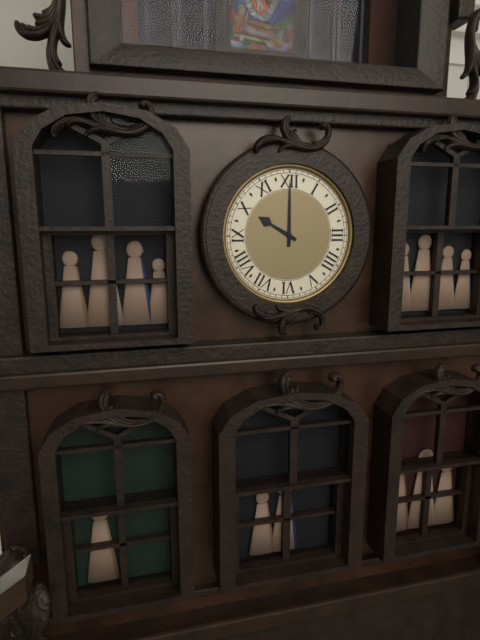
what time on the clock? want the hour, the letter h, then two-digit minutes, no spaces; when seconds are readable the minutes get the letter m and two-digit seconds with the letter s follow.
10h00
